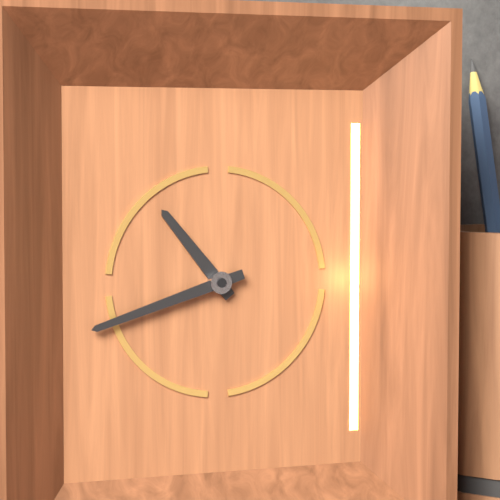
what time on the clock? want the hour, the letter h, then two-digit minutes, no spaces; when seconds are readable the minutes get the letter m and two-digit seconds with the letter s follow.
10h42
